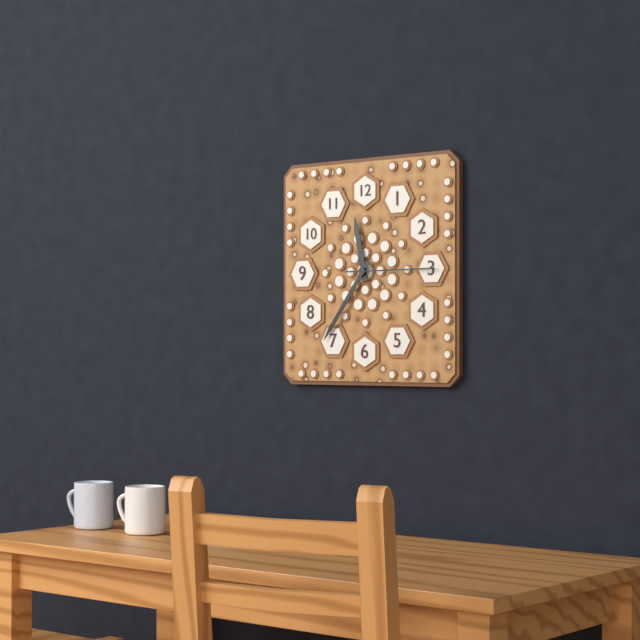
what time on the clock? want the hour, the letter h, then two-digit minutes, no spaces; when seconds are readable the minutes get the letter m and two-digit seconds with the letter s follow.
11h36m15s
